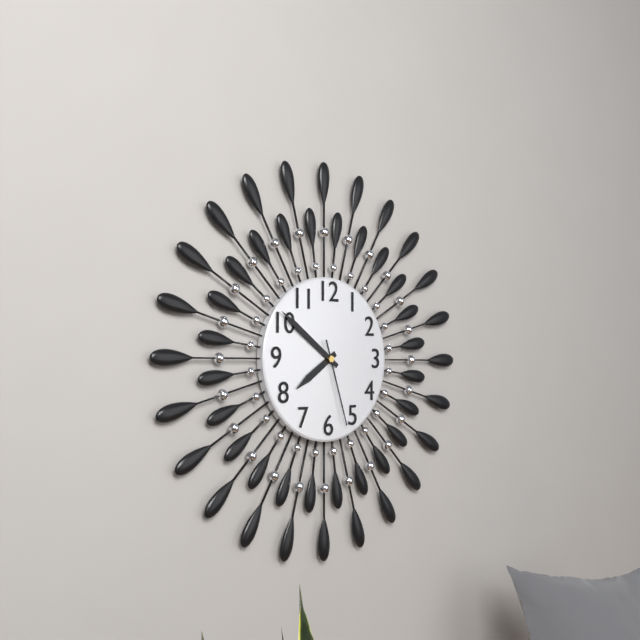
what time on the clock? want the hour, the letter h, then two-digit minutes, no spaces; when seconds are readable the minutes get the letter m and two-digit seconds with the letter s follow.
7h51m27s
